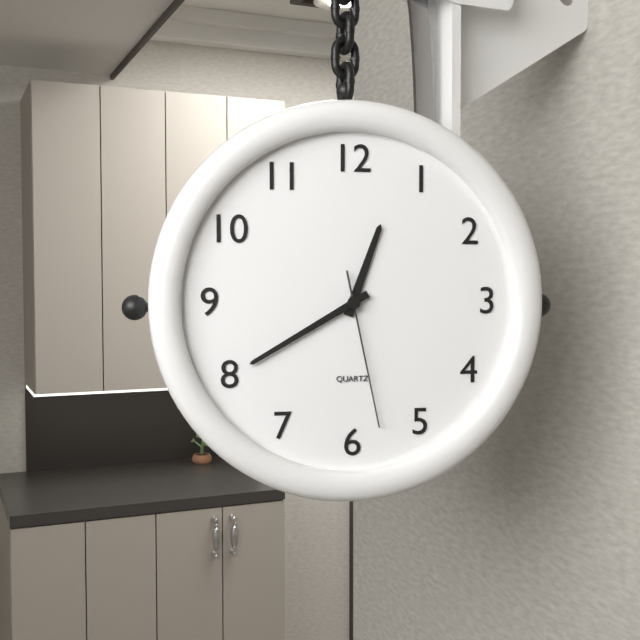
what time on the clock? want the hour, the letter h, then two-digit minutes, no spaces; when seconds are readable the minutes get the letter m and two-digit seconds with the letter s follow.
12h40m28s
